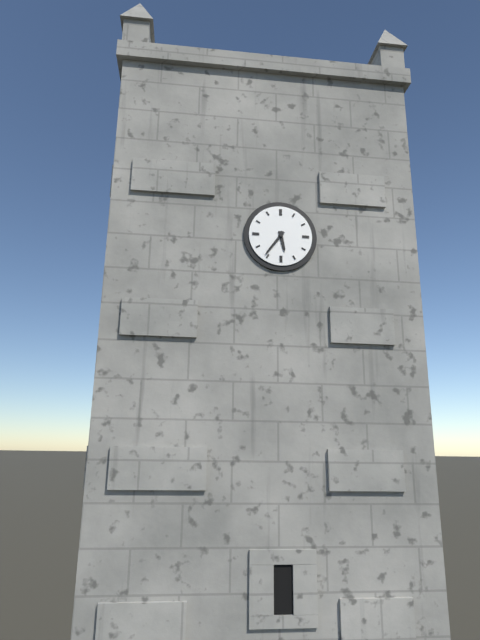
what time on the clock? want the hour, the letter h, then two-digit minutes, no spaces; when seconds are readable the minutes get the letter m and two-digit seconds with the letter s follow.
5h36
